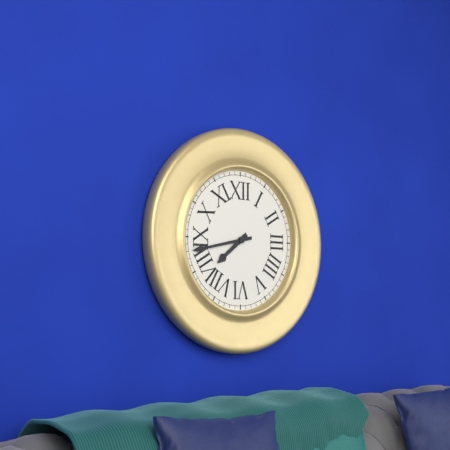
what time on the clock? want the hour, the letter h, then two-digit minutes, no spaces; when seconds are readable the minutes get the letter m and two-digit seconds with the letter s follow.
7h43
